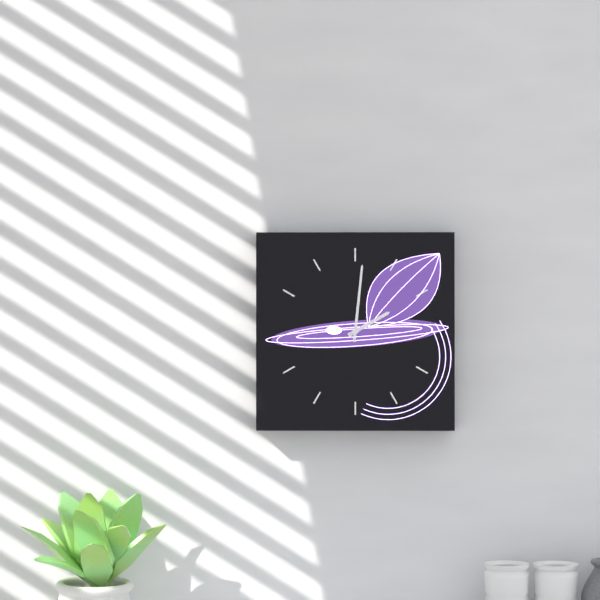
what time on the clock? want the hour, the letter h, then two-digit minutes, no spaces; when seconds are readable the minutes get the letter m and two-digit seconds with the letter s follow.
2h01
